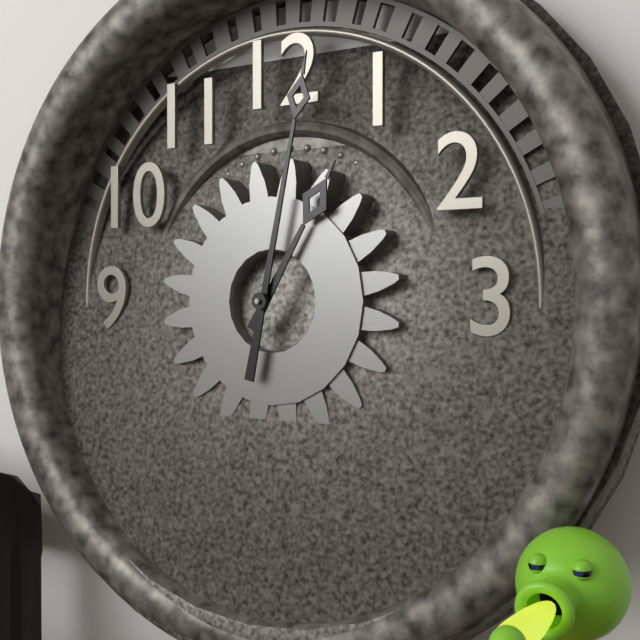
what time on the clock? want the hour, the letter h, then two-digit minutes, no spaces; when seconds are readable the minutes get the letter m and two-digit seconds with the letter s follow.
1h02
